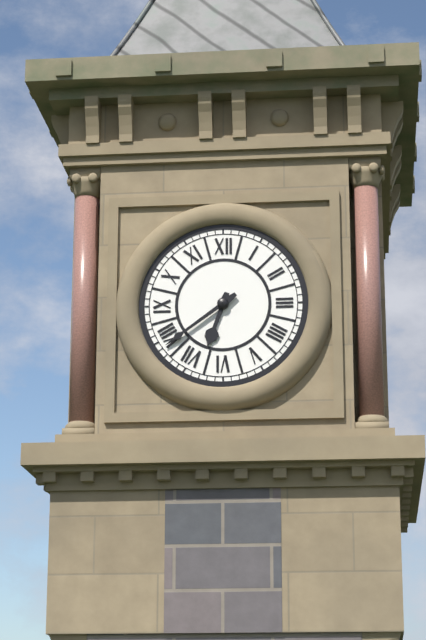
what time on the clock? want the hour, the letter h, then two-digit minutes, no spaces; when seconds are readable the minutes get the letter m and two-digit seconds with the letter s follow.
6h39
